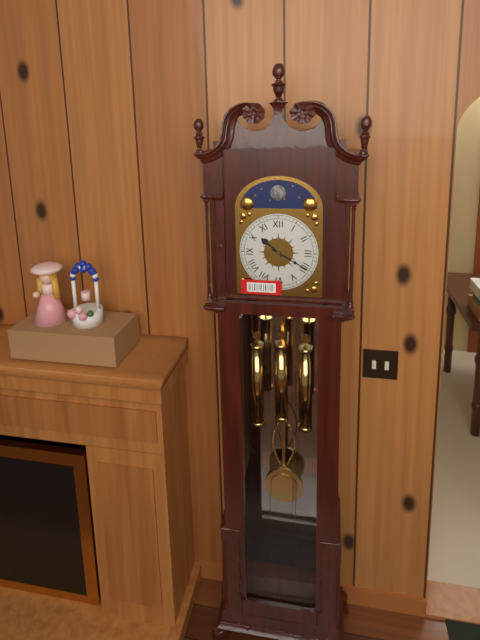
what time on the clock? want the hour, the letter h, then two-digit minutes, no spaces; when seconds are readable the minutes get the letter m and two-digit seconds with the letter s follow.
10h20
